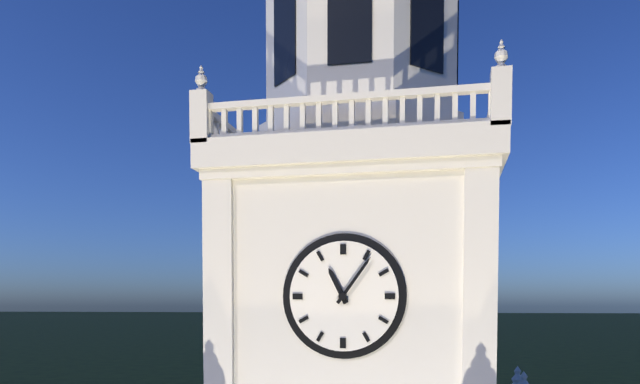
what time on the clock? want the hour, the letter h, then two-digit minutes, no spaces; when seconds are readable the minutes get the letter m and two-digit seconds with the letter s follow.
11h06
